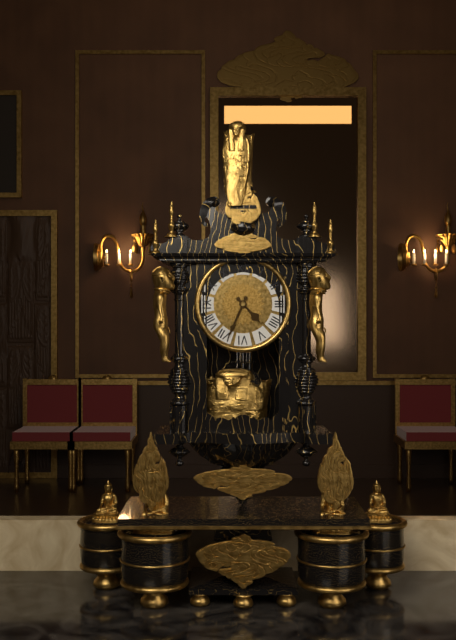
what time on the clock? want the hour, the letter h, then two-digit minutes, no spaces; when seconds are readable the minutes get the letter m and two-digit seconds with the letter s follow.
4h34
